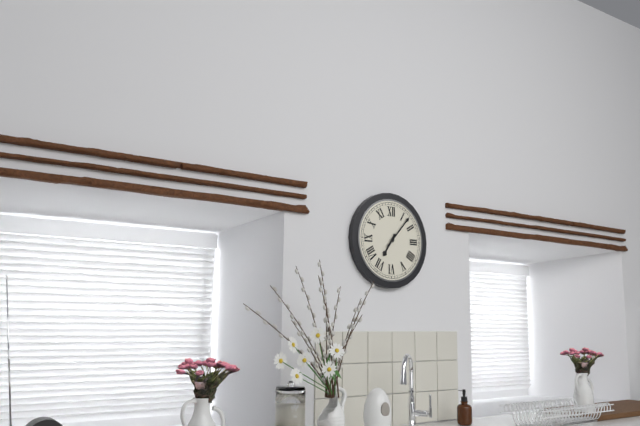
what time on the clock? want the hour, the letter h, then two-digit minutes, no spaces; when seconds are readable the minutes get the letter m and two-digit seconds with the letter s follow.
7h07
